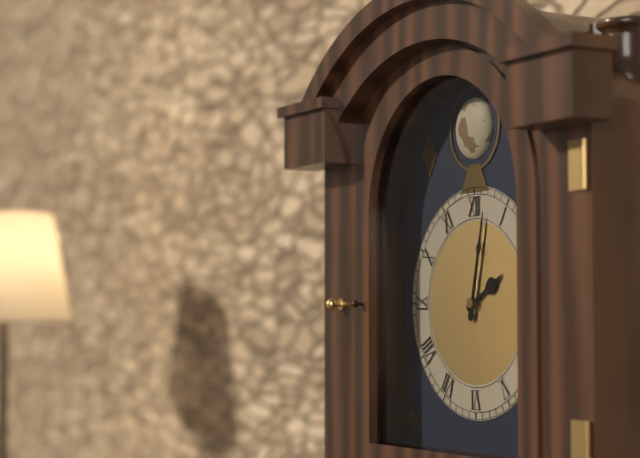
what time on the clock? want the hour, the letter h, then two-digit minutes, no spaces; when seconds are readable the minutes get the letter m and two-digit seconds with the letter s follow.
2h02
